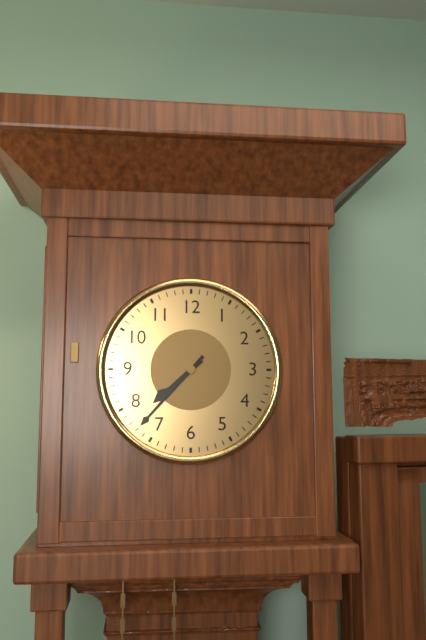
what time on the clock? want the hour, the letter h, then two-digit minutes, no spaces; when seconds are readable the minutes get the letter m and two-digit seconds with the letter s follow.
7h37
